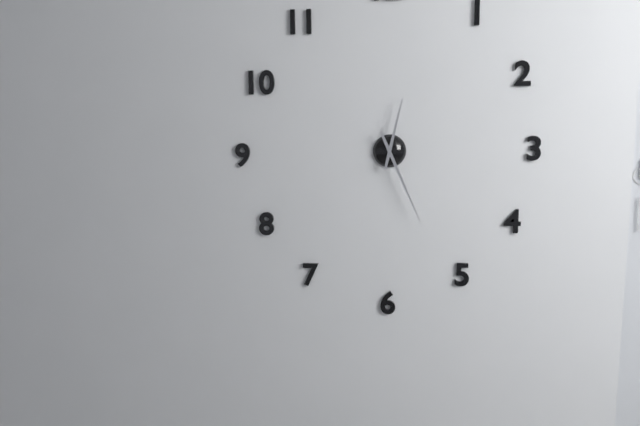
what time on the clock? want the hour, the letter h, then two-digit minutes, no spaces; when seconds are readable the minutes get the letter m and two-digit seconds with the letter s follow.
12h26
